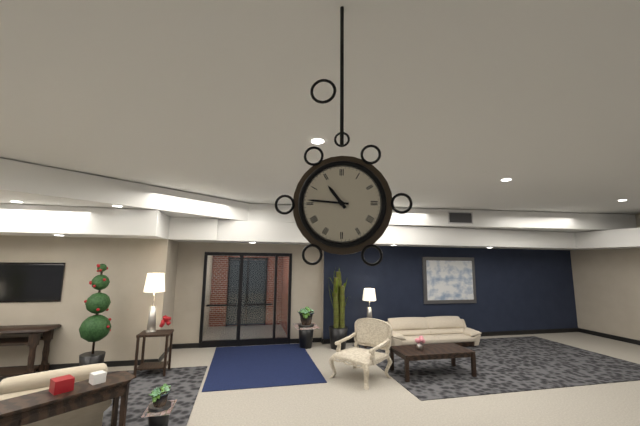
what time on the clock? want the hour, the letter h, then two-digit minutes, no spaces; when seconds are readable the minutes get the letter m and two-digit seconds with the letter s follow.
10h46
